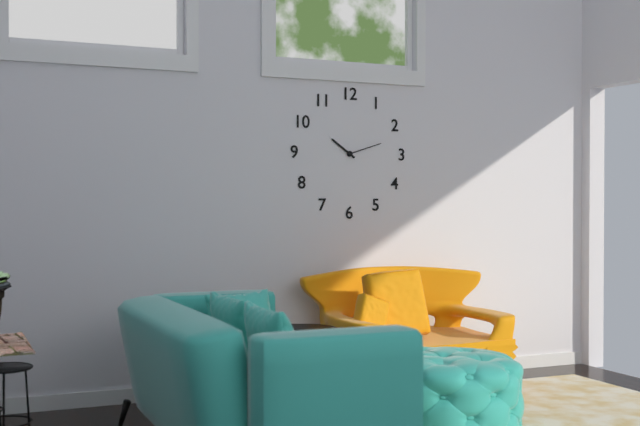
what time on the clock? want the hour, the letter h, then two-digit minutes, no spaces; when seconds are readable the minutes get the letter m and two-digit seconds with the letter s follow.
10h12
